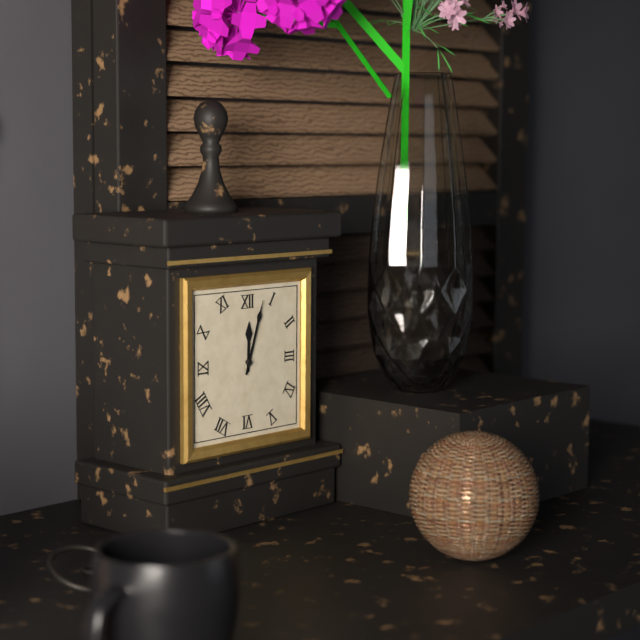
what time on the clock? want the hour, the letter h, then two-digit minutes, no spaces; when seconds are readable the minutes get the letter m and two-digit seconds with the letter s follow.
12h03
